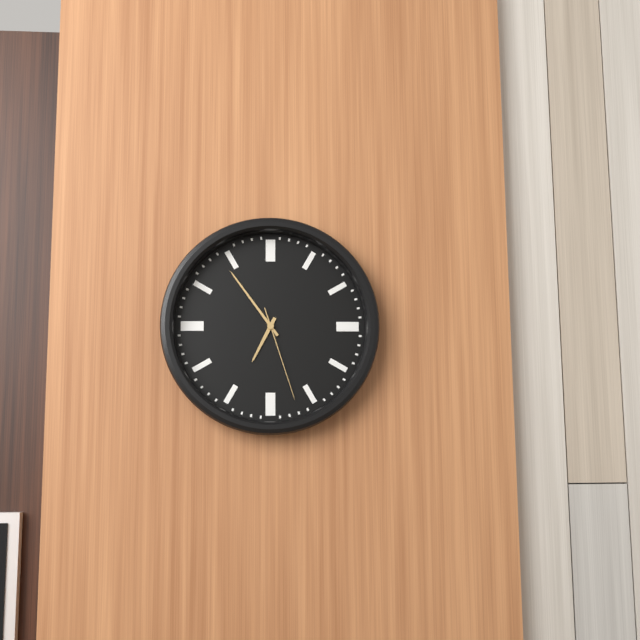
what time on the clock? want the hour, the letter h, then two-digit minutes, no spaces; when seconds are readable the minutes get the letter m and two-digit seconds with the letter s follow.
6h54m27s
